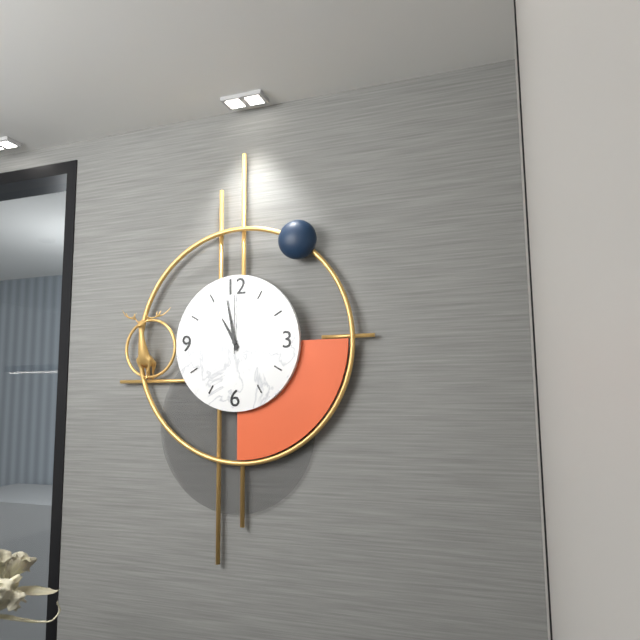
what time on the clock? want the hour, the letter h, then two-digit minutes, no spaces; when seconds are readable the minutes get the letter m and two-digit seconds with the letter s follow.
10h58m00s
